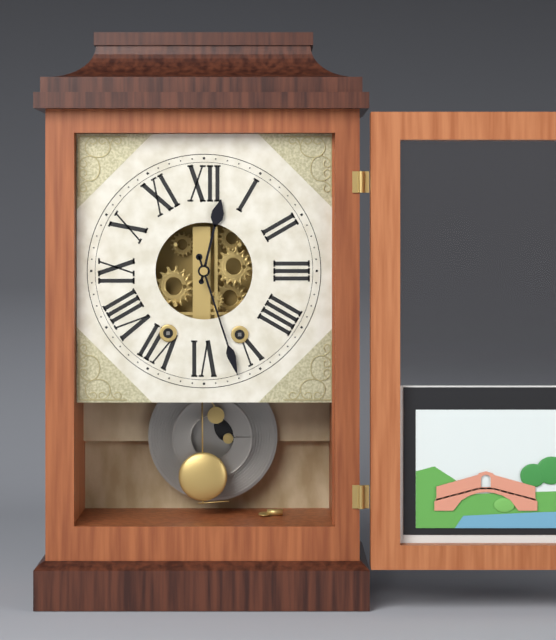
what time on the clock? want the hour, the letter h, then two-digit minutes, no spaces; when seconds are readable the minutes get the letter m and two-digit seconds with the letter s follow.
12h27
